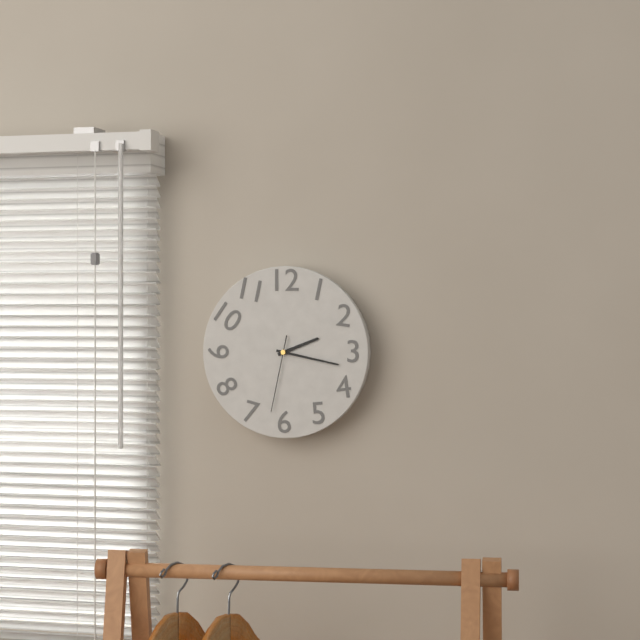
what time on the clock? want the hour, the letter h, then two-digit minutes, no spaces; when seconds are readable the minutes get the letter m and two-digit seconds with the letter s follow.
2h17m32s
